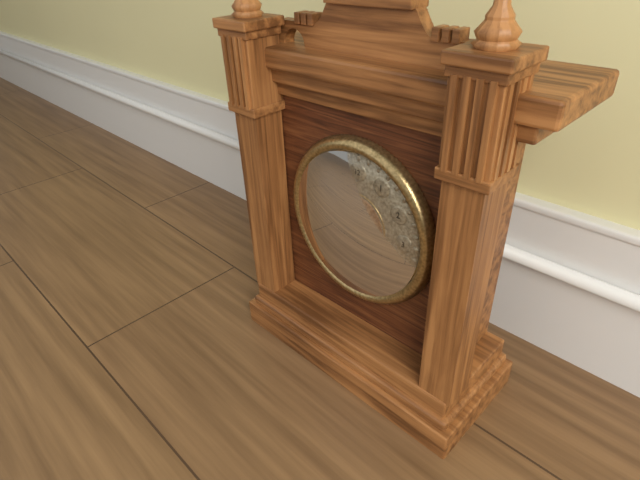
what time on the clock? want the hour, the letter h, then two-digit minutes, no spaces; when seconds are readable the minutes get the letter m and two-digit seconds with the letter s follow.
7h54
